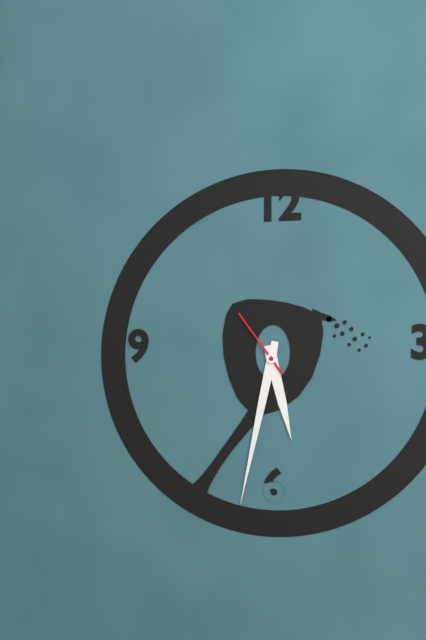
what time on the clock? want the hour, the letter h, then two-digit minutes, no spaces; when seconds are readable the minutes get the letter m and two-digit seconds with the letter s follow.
5h32m54s
